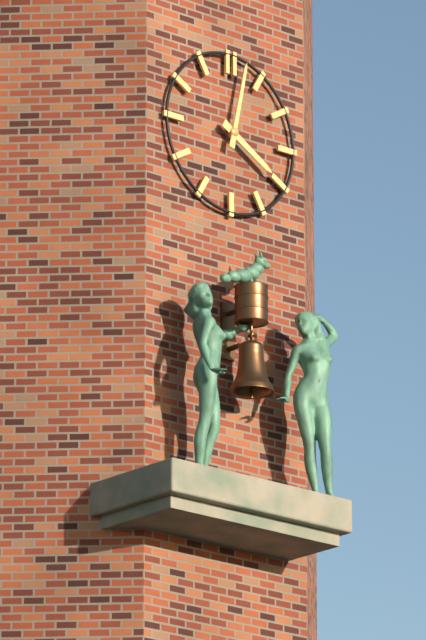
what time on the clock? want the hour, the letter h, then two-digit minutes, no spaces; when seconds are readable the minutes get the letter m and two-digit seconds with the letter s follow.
4h02
